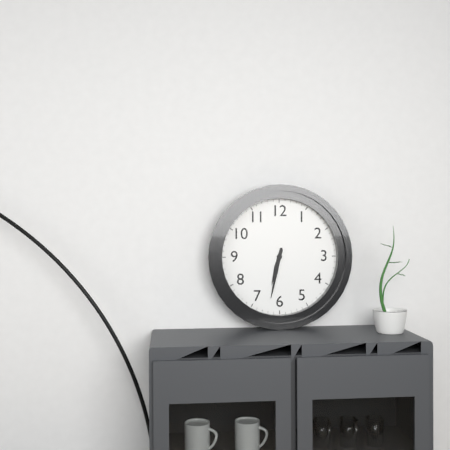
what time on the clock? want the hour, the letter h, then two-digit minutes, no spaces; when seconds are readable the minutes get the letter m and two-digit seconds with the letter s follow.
6h32
